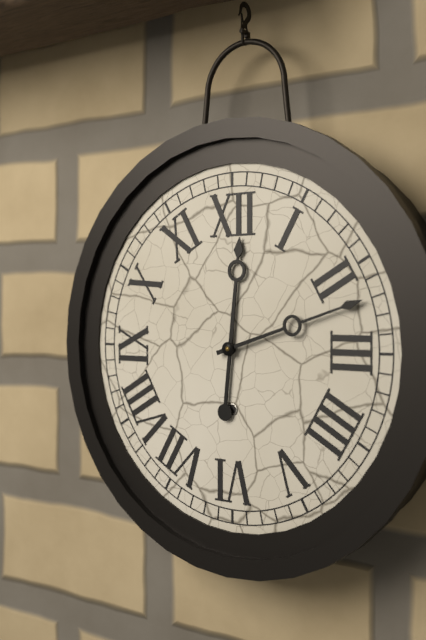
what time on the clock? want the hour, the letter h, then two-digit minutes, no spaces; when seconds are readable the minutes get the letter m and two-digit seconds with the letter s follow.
12h12
